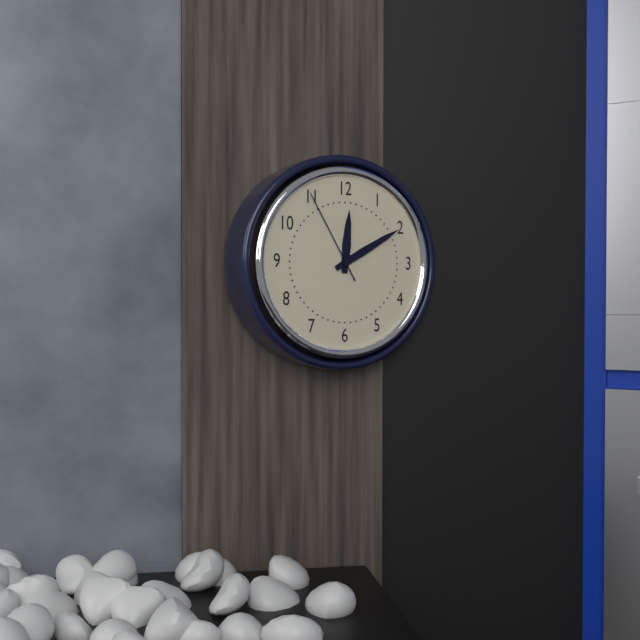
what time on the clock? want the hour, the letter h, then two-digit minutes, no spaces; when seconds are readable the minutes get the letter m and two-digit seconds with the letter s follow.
12h10m55s
